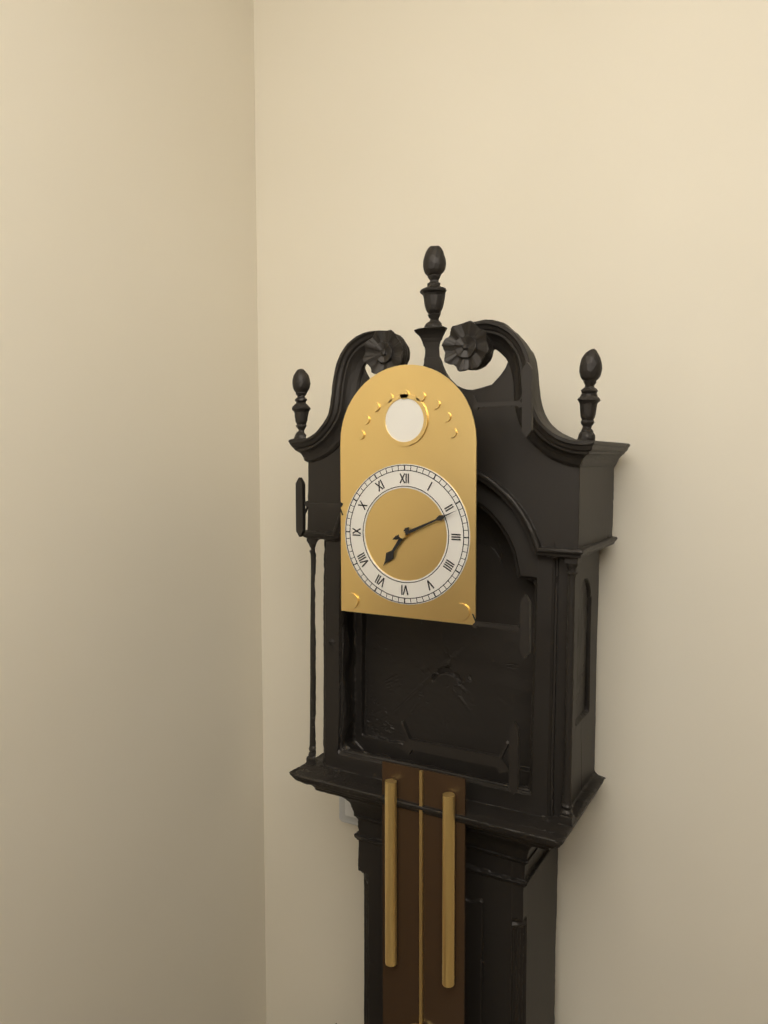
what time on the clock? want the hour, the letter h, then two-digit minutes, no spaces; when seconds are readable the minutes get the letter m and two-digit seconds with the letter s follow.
7h11
